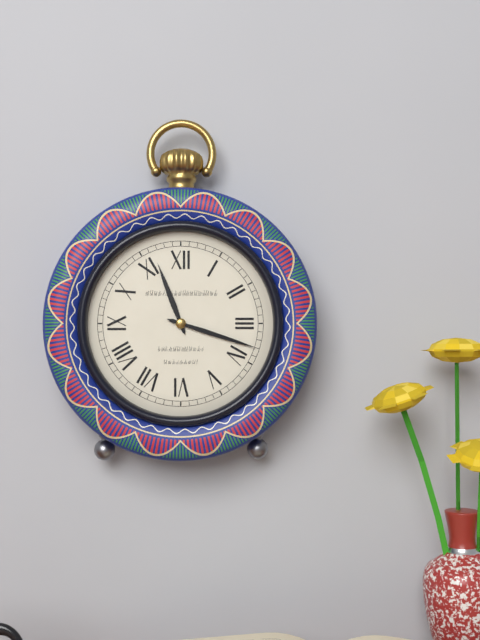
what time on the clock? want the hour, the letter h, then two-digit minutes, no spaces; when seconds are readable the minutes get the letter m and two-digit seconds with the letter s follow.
11h18
